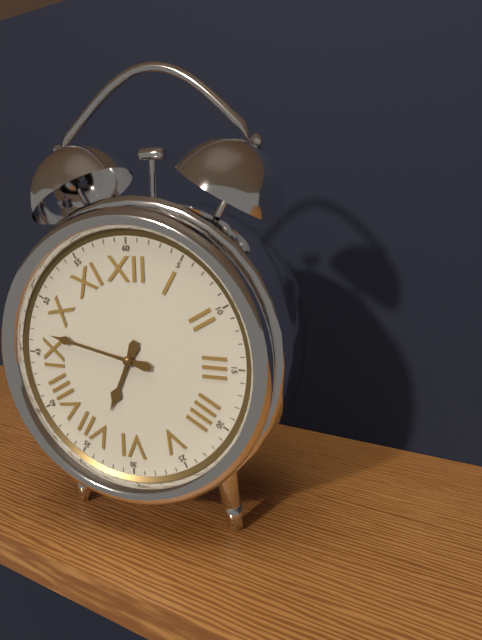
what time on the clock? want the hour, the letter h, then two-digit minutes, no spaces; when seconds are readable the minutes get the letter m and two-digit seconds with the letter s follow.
6h47
